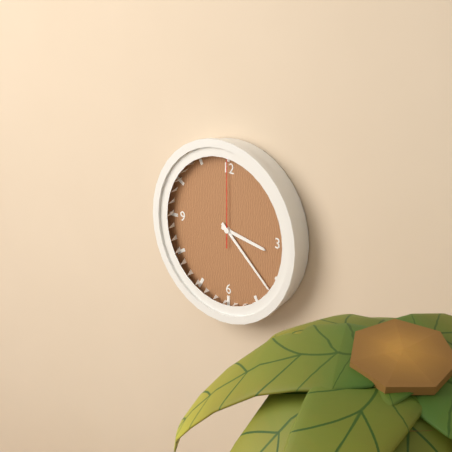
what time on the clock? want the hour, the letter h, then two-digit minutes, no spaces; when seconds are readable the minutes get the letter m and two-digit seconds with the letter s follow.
3h22m00s
